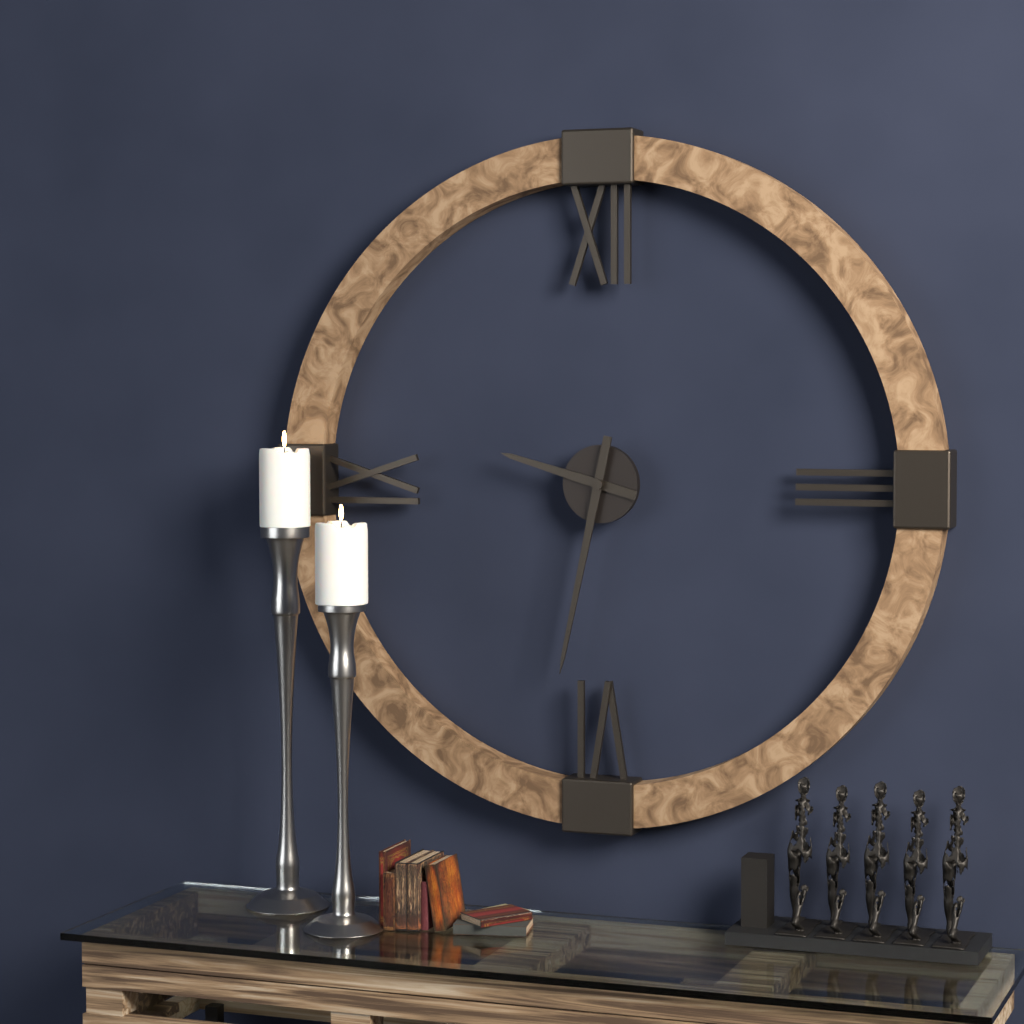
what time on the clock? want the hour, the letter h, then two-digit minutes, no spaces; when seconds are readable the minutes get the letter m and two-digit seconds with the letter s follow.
9h32
